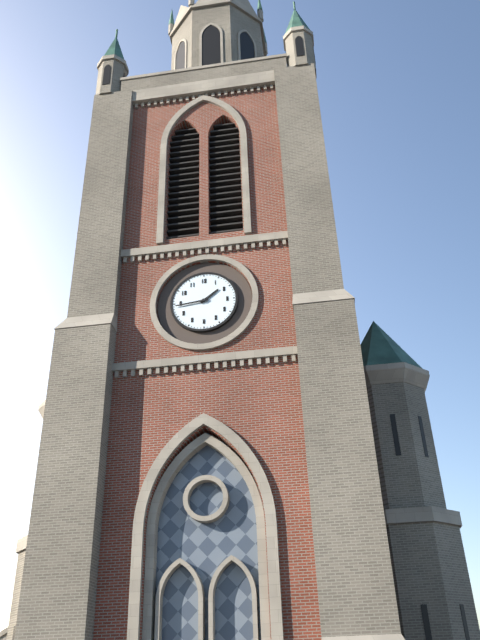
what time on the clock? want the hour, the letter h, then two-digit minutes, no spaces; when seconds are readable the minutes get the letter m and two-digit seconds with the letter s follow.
1h44
